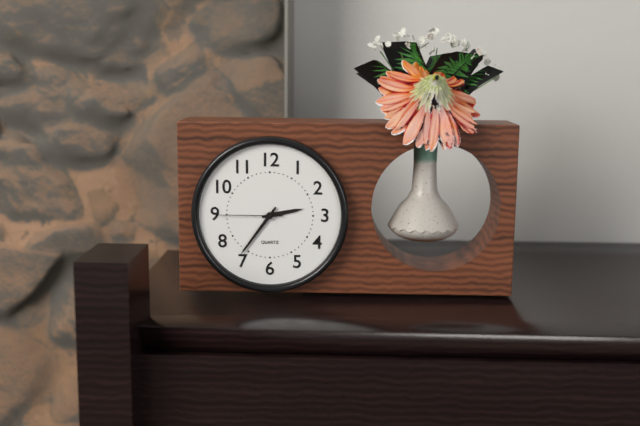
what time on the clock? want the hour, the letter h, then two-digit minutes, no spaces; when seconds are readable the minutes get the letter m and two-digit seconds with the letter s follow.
2h36m45s
